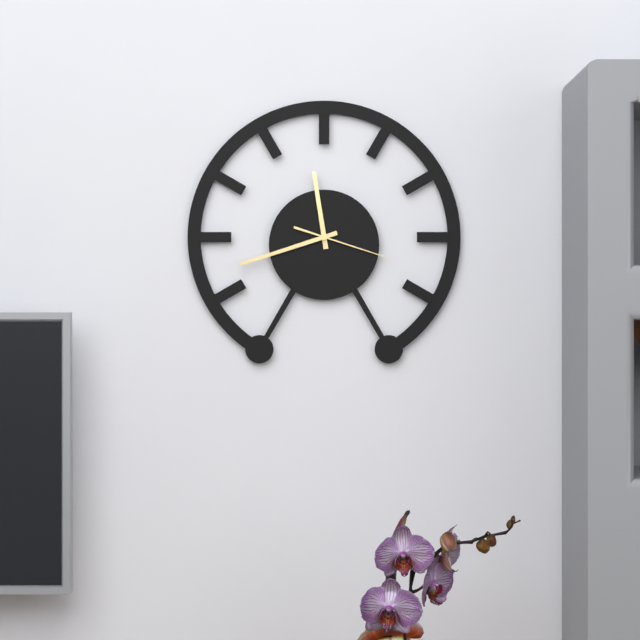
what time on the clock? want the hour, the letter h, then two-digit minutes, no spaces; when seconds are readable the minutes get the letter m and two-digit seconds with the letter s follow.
11h42m18s
